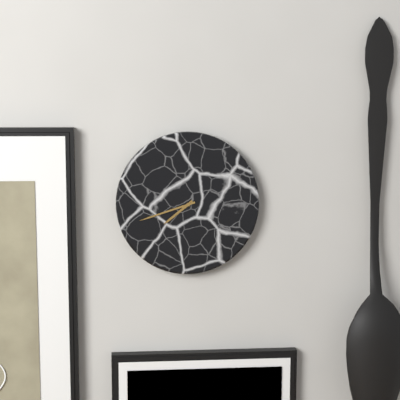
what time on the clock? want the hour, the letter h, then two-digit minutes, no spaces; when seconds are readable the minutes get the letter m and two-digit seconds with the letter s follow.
7h42
